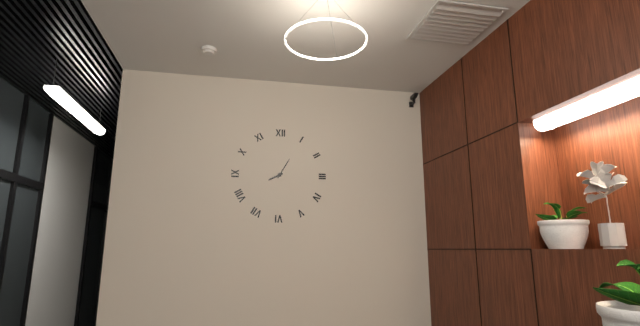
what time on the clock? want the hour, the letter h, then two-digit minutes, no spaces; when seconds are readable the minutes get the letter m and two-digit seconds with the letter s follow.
8h05
